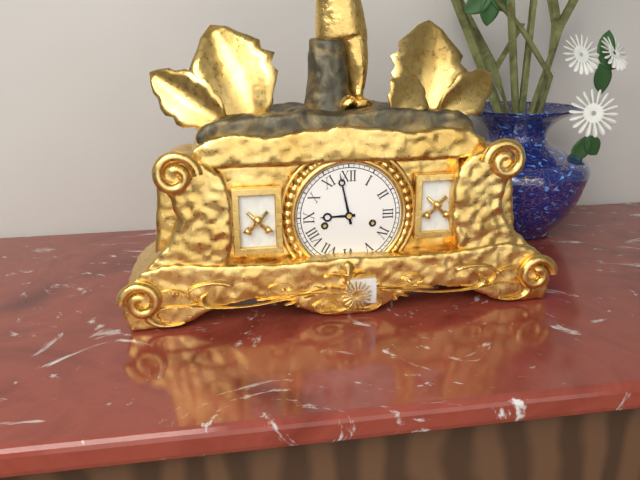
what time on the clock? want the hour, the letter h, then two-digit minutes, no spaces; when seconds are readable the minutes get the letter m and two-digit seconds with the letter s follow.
8h58
